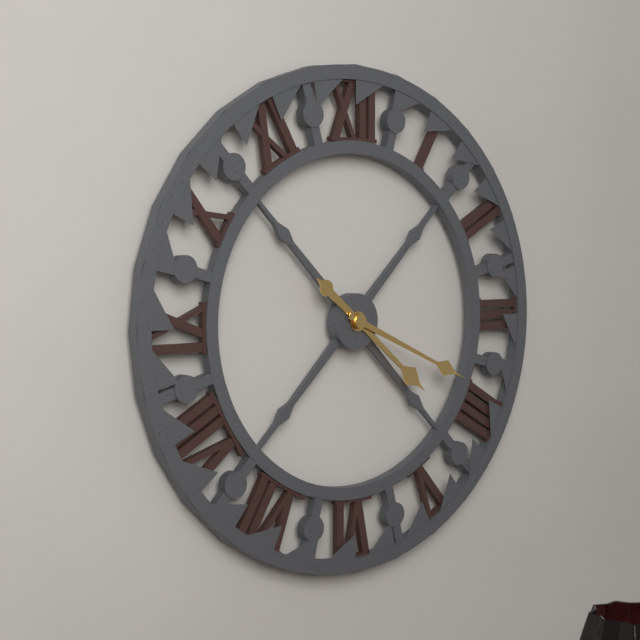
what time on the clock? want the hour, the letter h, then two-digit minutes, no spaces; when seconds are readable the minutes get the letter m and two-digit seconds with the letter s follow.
4h19
